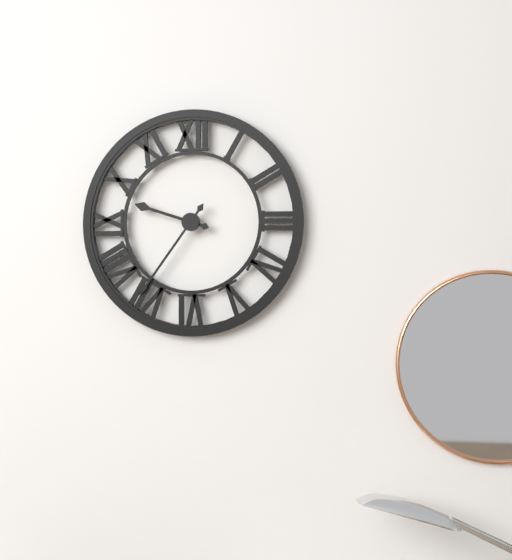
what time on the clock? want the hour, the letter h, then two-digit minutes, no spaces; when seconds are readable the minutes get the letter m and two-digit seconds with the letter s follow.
9h36
